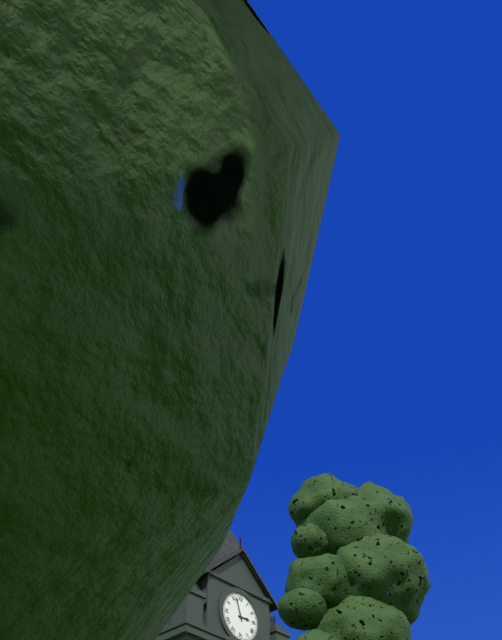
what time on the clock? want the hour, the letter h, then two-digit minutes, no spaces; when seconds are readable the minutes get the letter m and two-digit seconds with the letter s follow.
2h57
